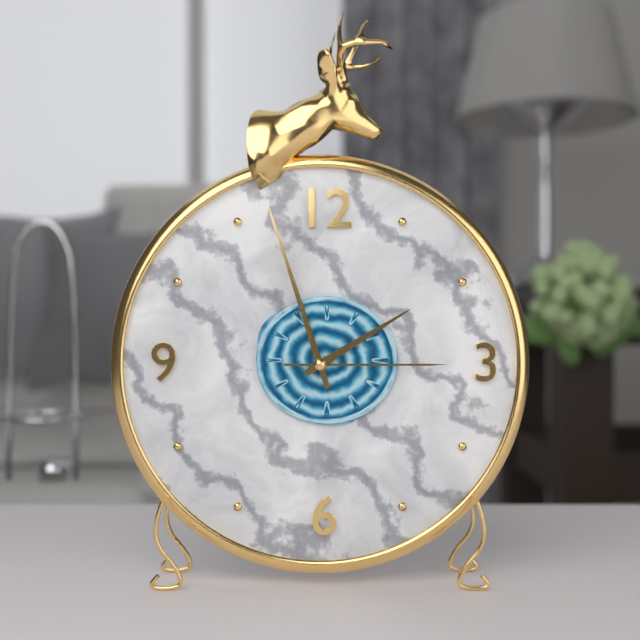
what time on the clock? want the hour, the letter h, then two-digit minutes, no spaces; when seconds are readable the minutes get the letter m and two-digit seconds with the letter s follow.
1h57m15s
